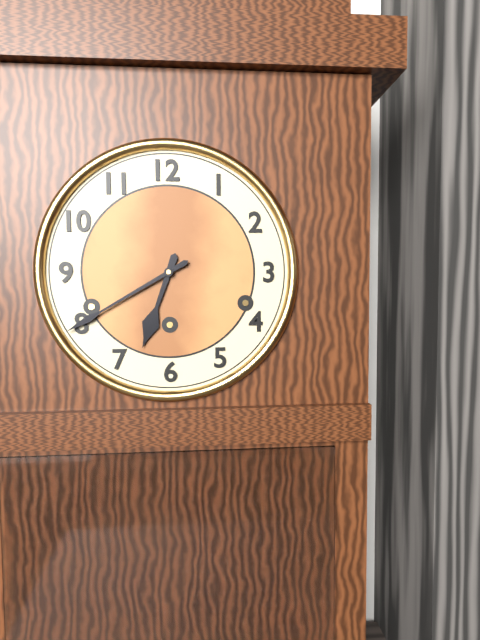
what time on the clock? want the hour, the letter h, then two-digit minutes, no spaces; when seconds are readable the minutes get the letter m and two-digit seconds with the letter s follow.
6h40
